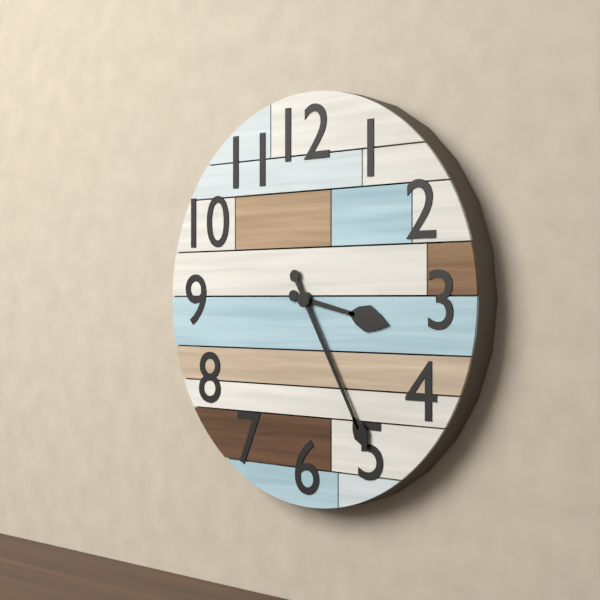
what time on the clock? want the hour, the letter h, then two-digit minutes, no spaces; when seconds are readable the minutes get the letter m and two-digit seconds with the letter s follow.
3h25
